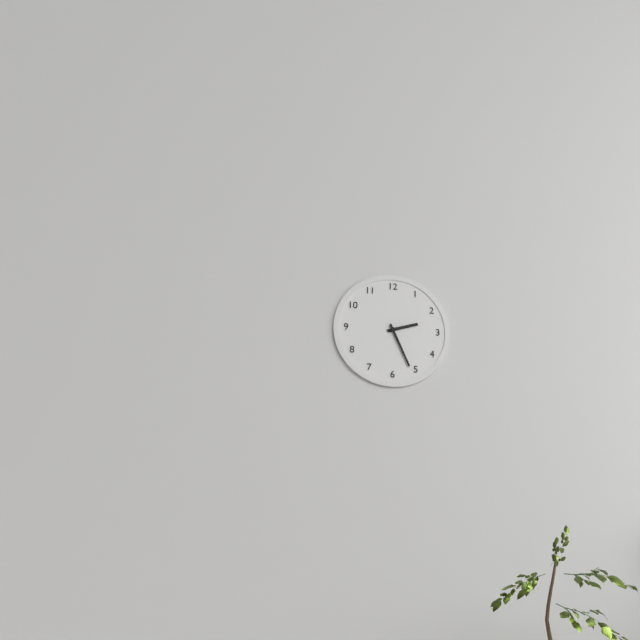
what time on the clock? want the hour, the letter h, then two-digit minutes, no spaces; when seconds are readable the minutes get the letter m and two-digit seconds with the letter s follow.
2h26
